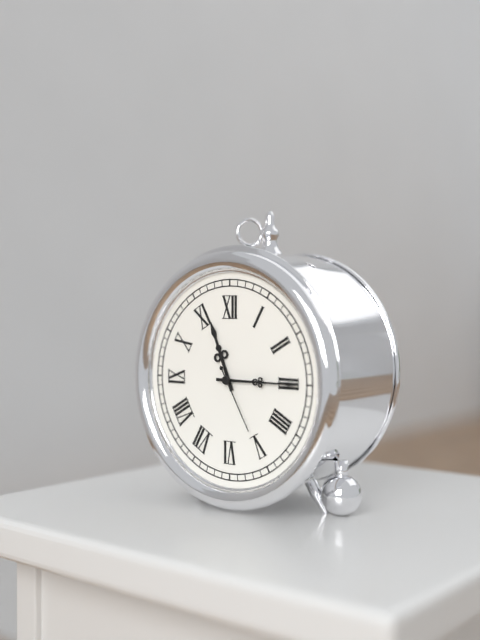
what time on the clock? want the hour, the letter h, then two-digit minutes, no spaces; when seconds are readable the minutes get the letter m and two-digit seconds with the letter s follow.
11h15m25s
